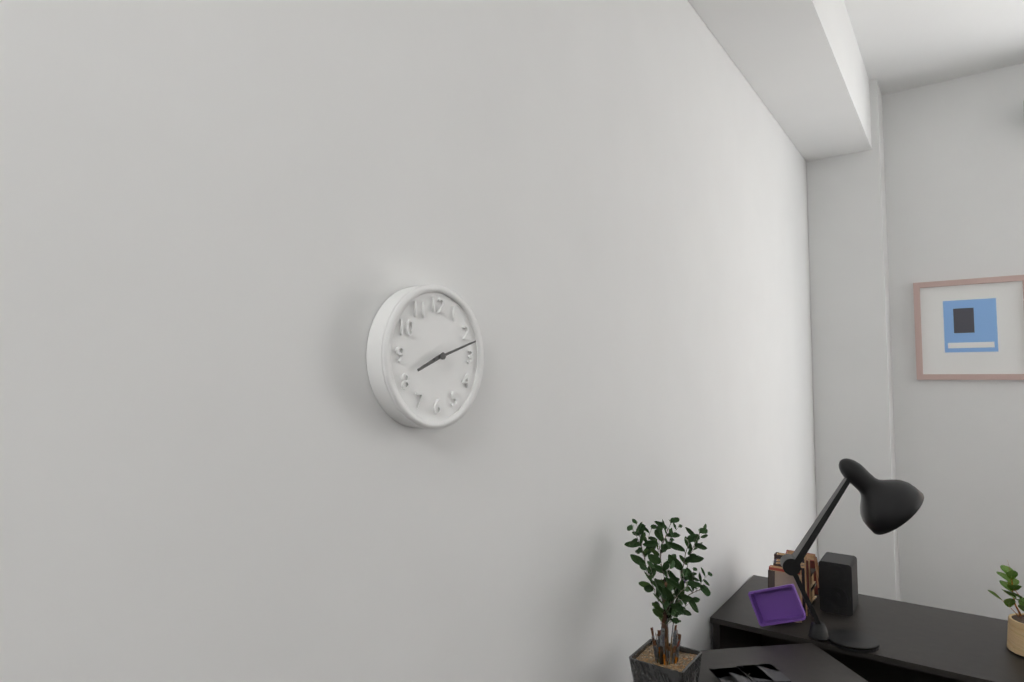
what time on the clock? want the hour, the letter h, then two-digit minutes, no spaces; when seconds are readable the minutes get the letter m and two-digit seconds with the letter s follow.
8h12
